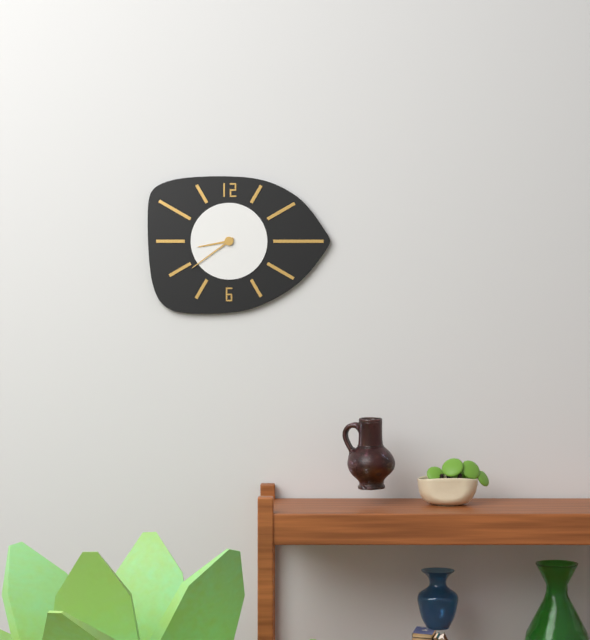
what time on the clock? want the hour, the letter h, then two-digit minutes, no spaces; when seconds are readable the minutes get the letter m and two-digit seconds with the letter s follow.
8h39
